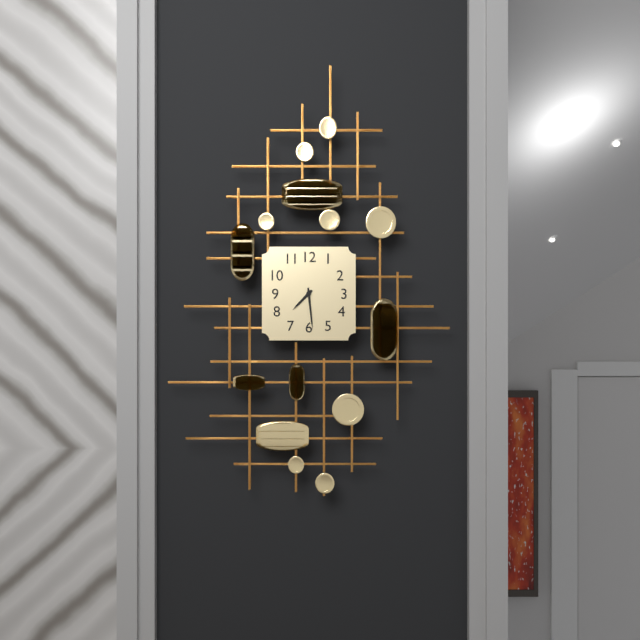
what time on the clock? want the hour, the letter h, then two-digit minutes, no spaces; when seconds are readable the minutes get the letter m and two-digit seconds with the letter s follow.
7h29
